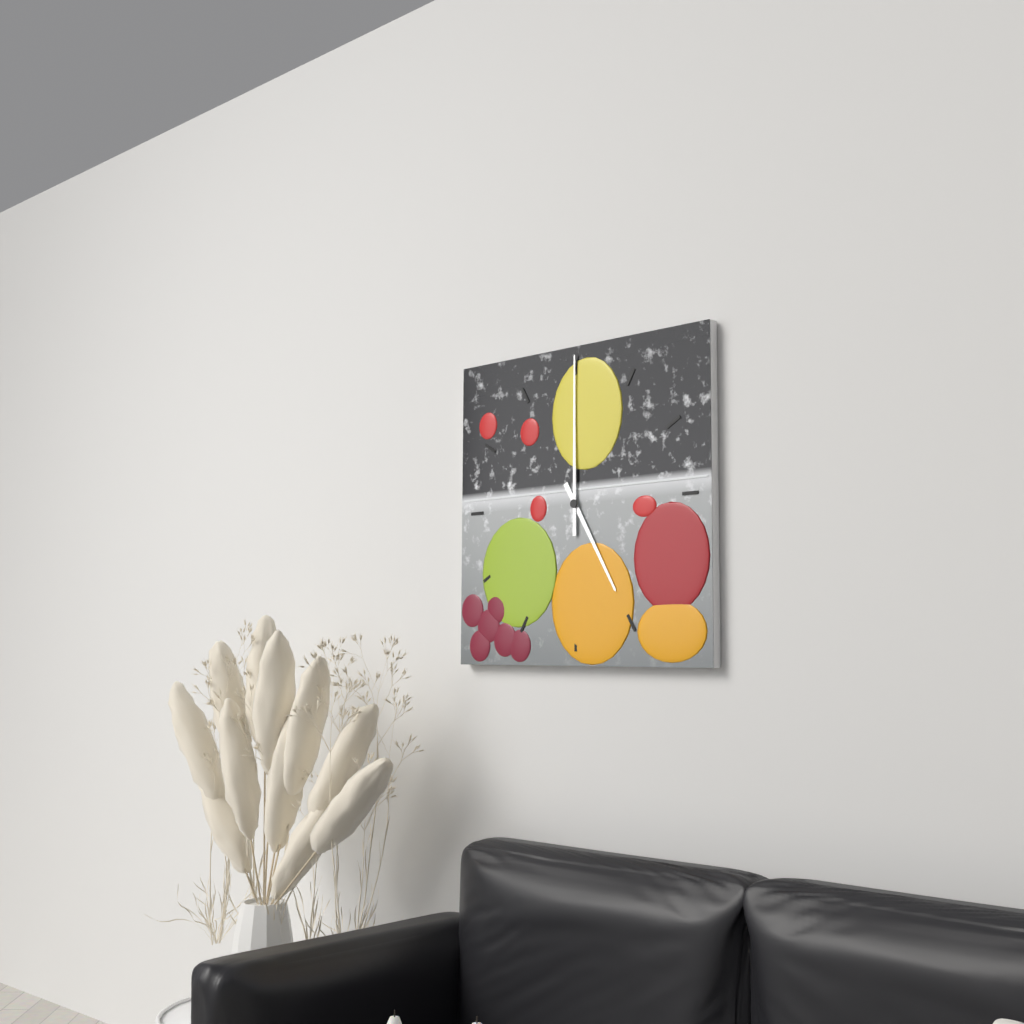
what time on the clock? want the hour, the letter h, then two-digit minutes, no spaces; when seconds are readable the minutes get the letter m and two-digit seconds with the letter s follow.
5h00
